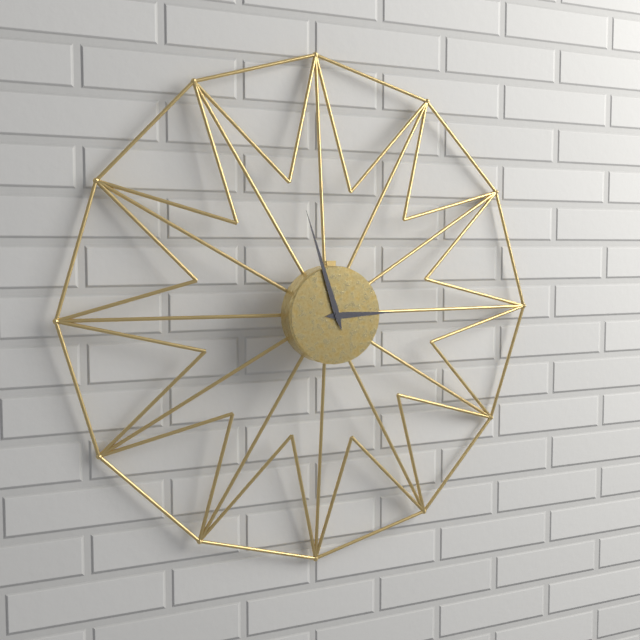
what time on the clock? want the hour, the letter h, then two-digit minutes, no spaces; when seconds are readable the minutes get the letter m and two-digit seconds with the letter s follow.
2h57
